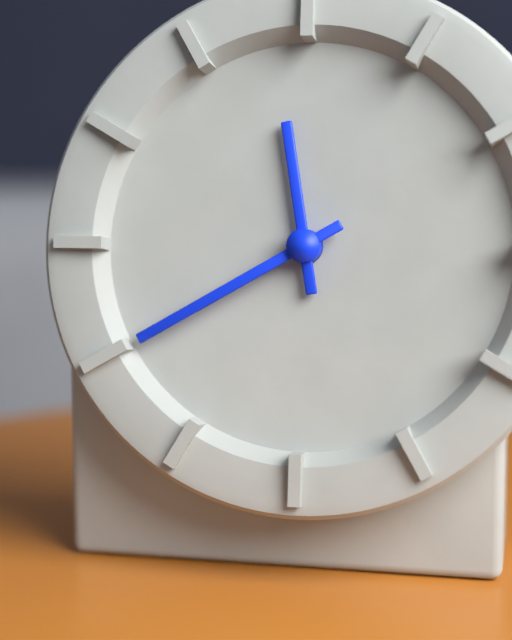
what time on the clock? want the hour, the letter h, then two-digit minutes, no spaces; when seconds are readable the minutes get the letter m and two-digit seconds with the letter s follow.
11h40
